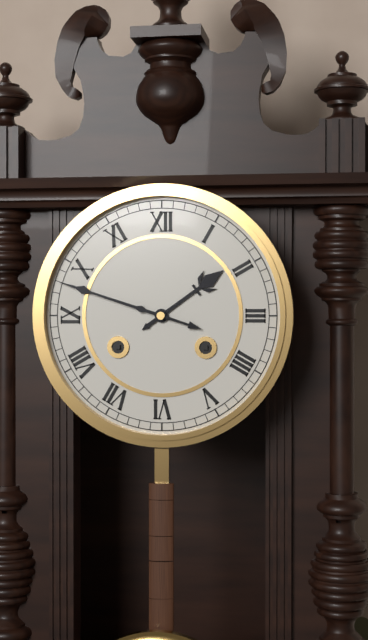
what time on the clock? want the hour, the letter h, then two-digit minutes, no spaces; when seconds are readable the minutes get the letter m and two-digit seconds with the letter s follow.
1h48
